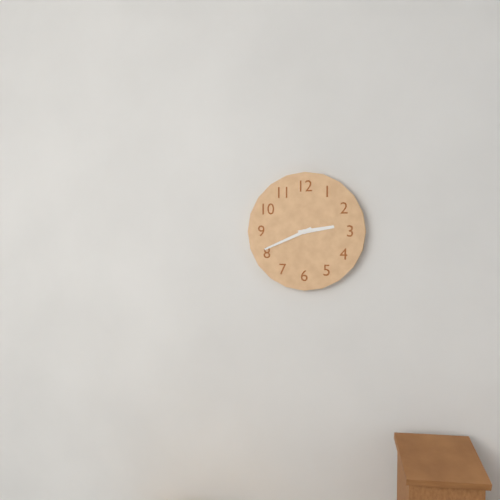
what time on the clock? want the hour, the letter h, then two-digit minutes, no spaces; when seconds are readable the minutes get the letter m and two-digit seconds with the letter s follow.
2h41
